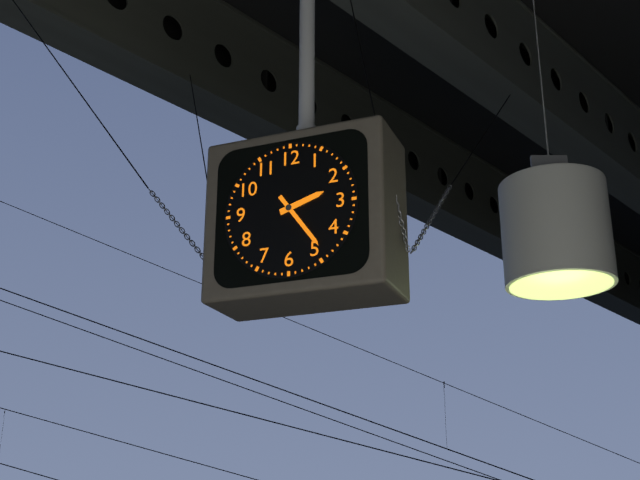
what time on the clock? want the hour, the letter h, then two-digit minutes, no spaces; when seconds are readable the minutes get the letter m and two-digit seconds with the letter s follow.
2h24
